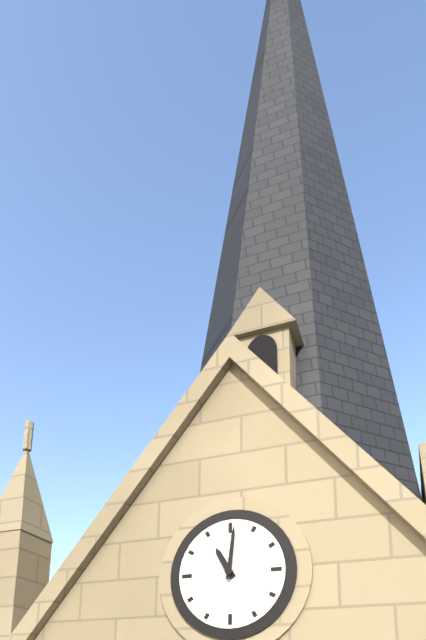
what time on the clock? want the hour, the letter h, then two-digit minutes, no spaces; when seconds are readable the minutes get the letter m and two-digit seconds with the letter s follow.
11h01
